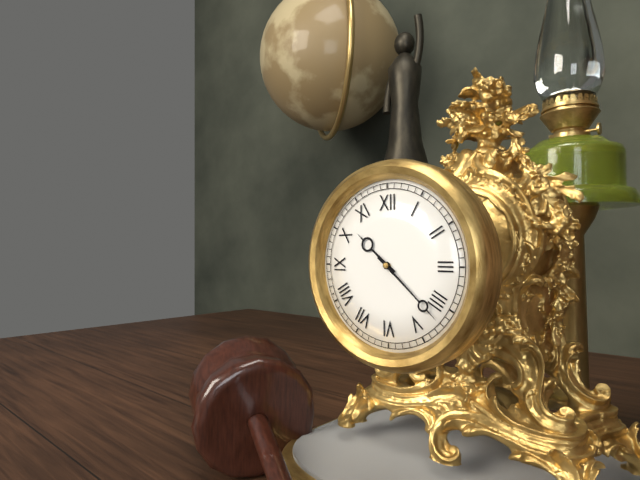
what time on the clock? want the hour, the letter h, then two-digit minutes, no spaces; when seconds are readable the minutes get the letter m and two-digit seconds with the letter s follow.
10h22
